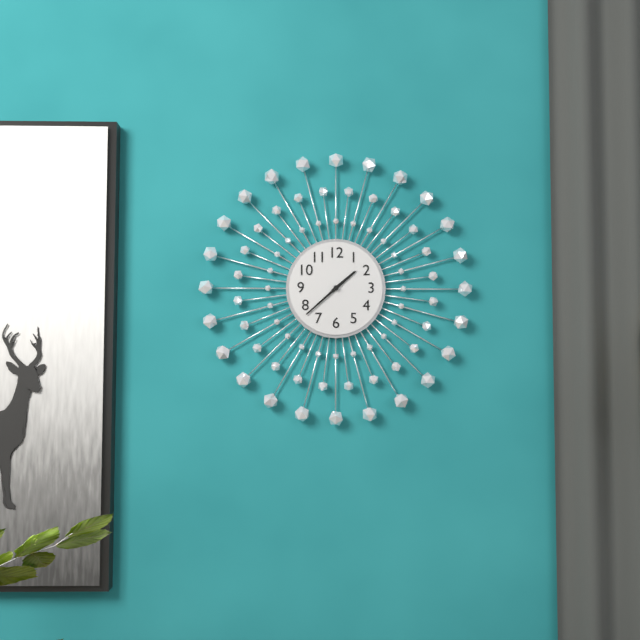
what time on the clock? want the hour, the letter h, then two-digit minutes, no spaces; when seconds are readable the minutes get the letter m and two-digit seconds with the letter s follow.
1h38
